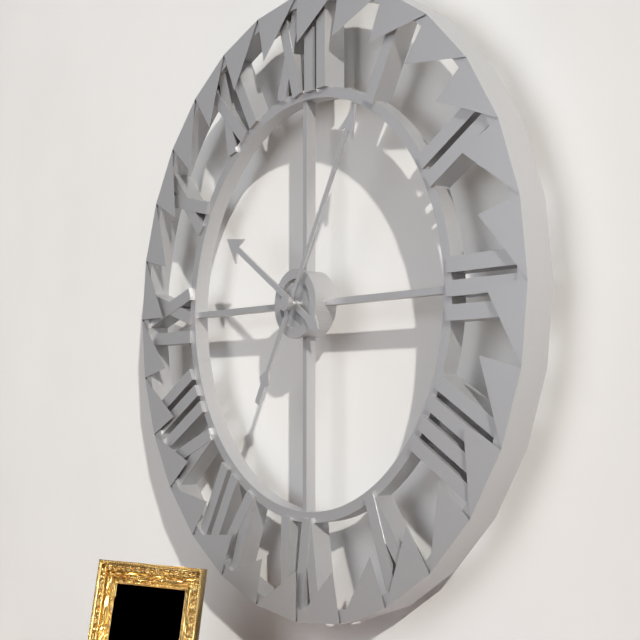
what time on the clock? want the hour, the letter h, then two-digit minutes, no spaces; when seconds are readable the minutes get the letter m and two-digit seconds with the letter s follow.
10h05
